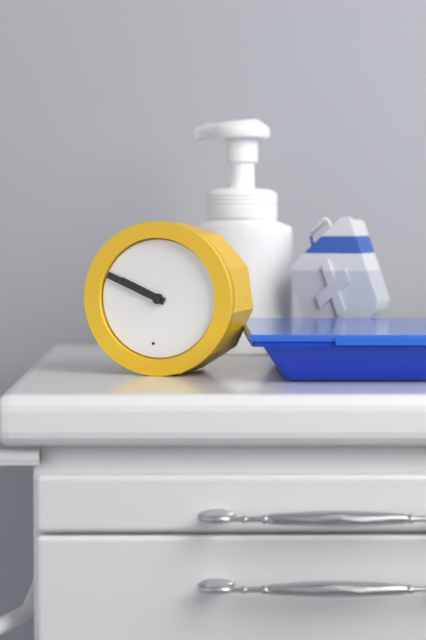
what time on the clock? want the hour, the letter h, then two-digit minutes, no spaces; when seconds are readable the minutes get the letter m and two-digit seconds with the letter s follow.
9h49
